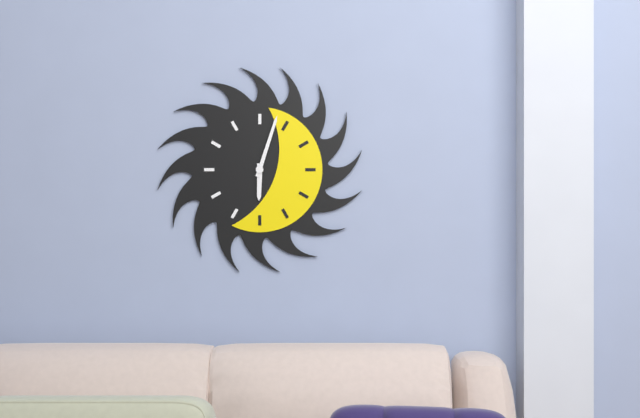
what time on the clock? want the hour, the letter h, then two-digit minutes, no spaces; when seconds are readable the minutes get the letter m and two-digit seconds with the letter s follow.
6h03
